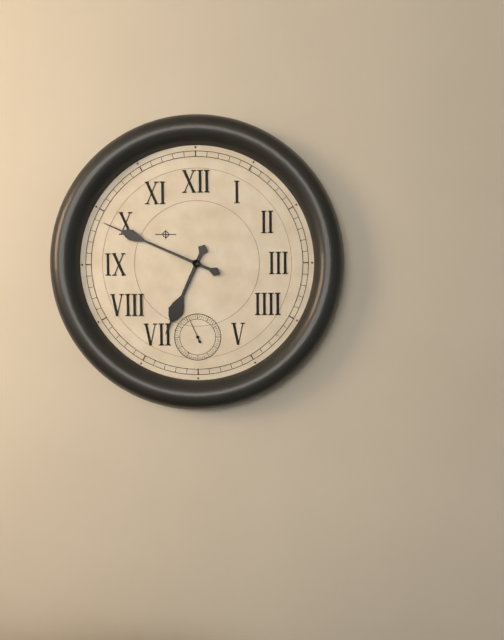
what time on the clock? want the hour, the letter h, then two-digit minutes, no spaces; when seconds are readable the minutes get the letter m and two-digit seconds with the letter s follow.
6h49
